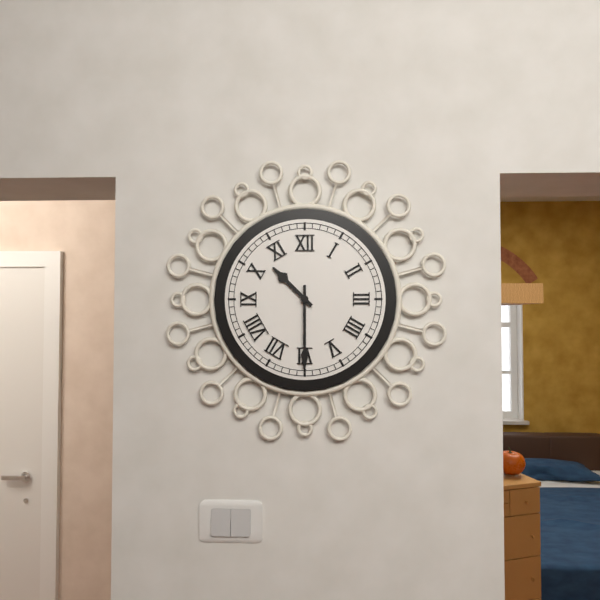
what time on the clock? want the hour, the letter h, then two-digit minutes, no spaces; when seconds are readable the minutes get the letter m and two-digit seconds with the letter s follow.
10h30
